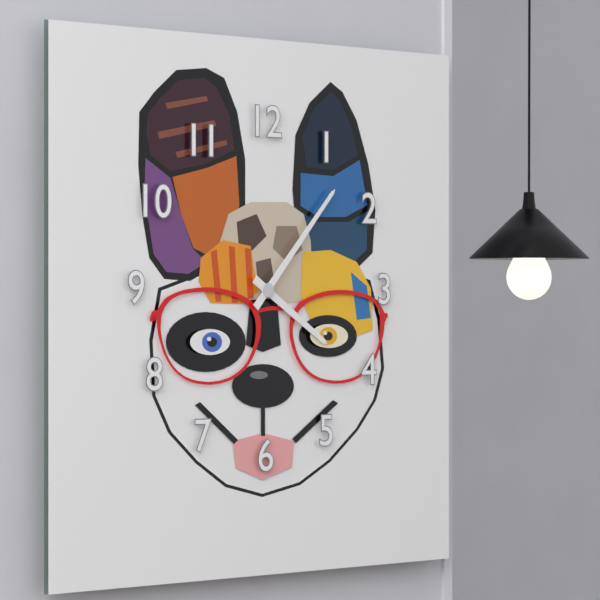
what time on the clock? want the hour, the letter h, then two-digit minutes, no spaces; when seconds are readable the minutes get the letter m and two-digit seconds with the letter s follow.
4h07
